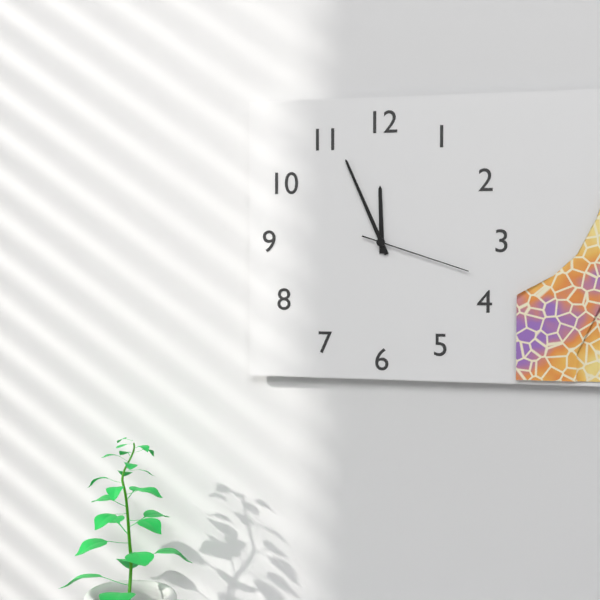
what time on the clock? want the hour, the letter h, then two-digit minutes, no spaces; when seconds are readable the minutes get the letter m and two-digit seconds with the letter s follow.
11h56m18s
